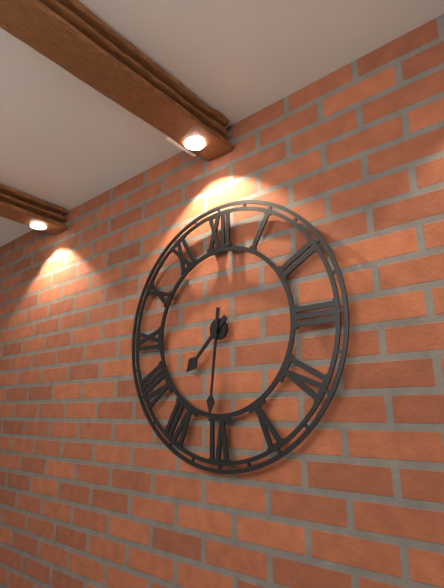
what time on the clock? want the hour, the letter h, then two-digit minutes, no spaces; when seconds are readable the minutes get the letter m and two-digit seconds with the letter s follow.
7h31
